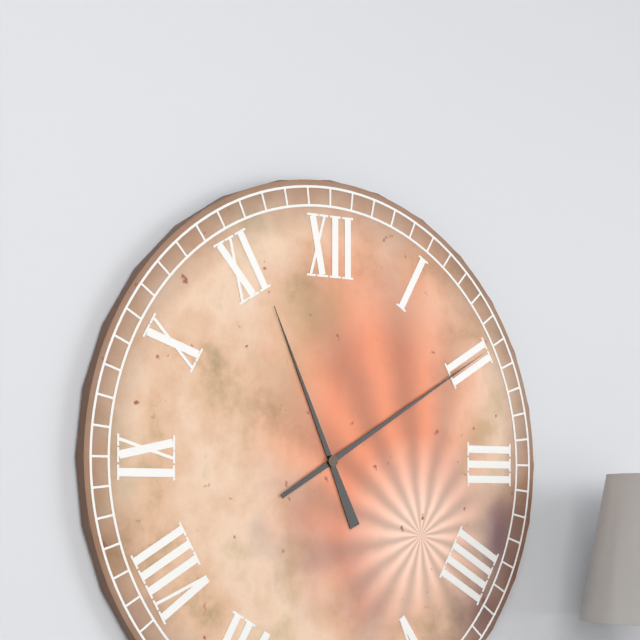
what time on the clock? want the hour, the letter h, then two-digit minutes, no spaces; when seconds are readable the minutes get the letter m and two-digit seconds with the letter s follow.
11h10
